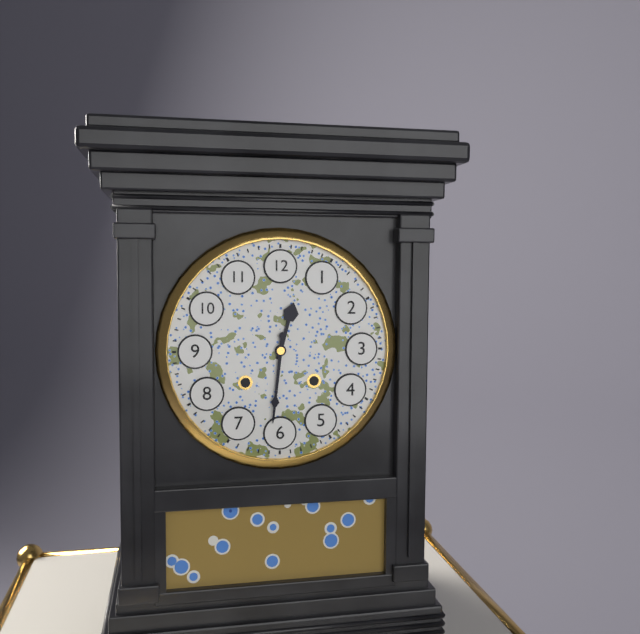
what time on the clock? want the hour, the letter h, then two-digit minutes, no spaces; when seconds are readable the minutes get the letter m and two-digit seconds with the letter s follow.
12h31
